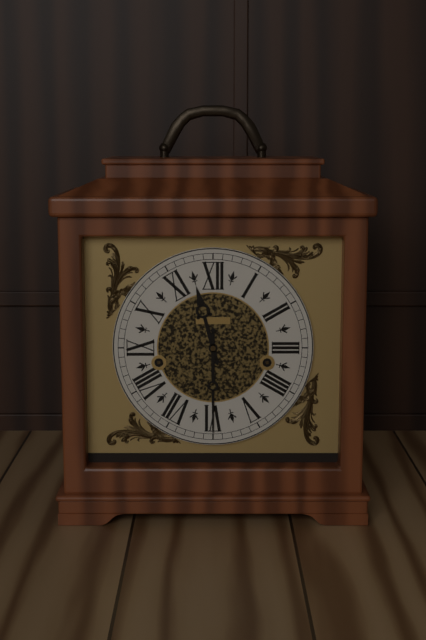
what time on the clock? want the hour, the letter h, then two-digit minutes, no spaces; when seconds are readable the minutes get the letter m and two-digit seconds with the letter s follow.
11h30
